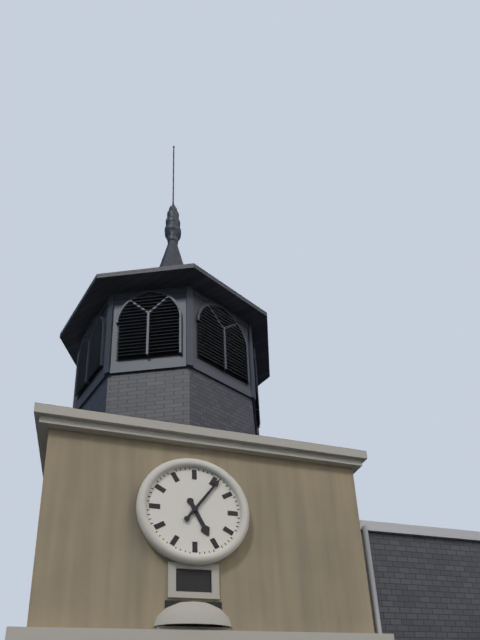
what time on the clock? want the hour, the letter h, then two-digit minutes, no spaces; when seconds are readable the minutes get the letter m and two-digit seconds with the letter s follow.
5h06
